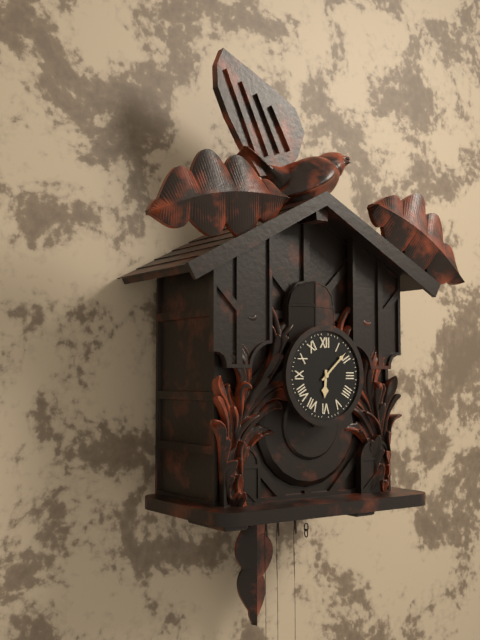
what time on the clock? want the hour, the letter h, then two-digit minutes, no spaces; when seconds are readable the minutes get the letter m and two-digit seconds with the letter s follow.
6h08
